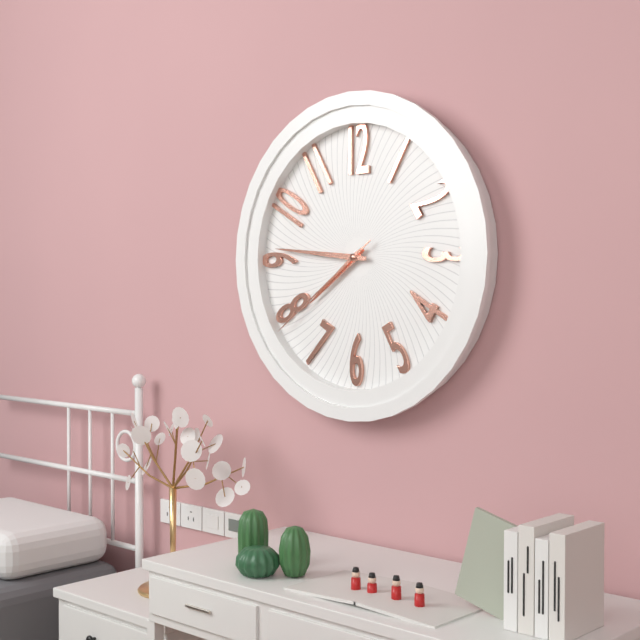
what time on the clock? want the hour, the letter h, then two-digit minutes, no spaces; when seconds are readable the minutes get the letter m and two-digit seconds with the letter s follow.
7h46m39s
